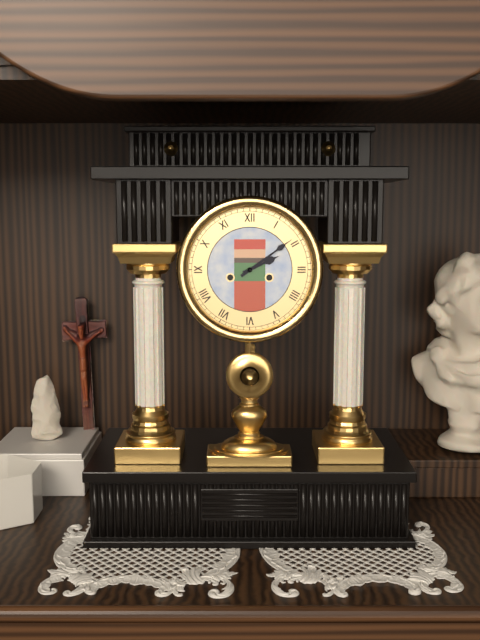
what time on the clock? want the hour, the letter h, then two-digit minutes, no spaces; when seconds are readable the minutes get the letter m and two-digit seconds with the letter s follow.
2h09
